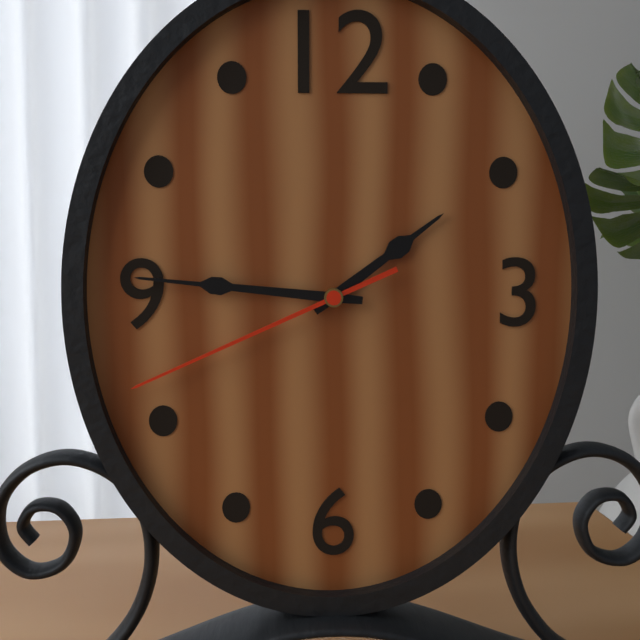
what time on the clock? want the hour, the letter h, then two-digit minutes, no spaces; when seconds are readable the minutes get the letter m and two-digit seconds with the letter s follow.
1h46m41s
